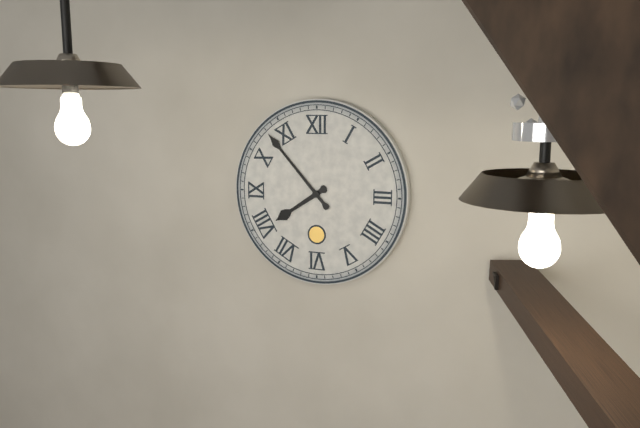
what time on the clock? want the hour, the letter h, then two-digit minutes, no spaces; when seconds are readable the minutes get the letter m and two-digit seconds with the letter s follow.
7h53
